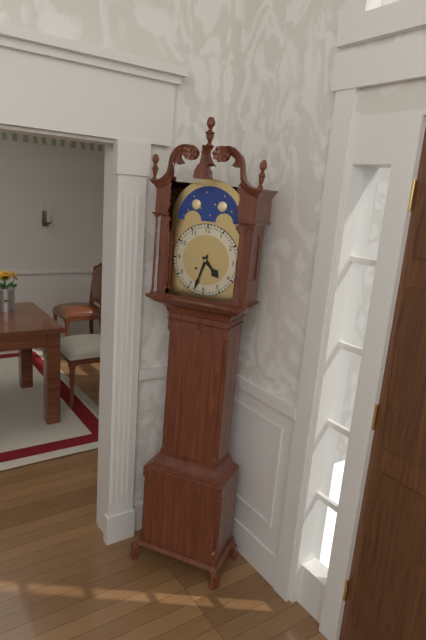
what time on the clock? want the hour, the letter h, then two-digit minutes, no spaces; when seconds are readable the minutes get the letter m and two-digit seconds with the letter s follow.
4h33
